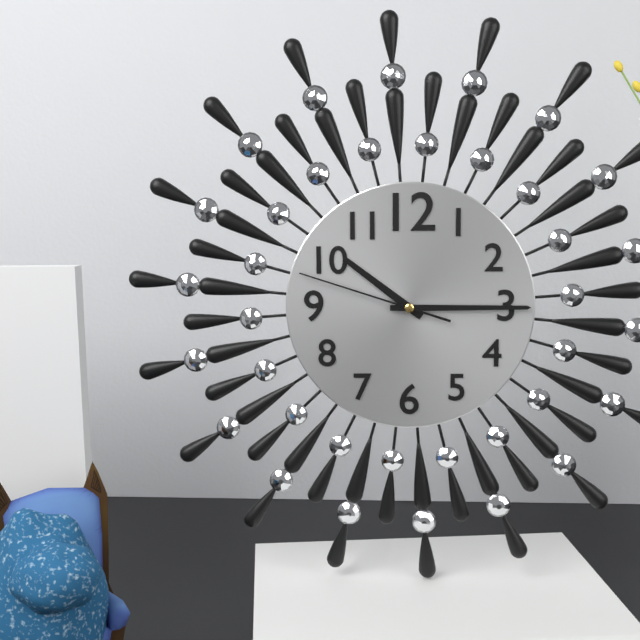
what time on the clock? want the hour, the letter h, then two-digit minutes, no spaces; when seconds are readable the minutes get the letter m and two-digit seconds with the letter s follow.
10h15m48s
